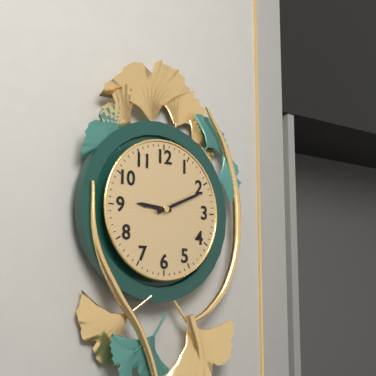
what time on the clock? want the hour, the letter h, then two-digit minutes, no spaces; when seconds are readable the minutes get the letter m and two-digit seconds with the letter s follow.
9h11
